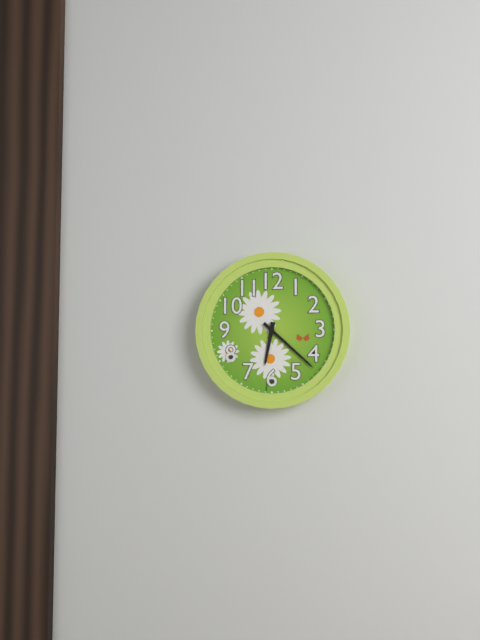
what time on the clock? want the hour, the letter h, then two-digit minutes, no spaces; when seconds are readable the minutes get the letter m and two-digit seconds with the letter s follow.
6h22
